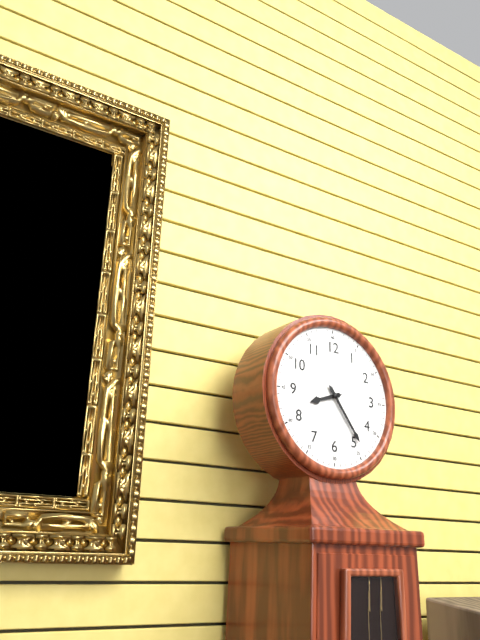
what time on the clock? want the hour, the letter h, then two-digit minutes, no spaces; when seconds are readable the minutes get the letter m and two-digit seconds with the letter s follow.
8h24
